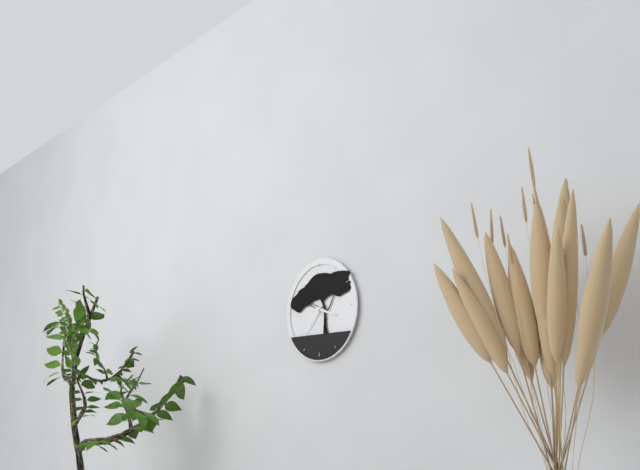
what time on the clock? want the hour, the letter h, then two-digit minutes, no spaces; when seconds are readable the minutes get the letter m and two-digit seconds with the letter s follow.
3h37
